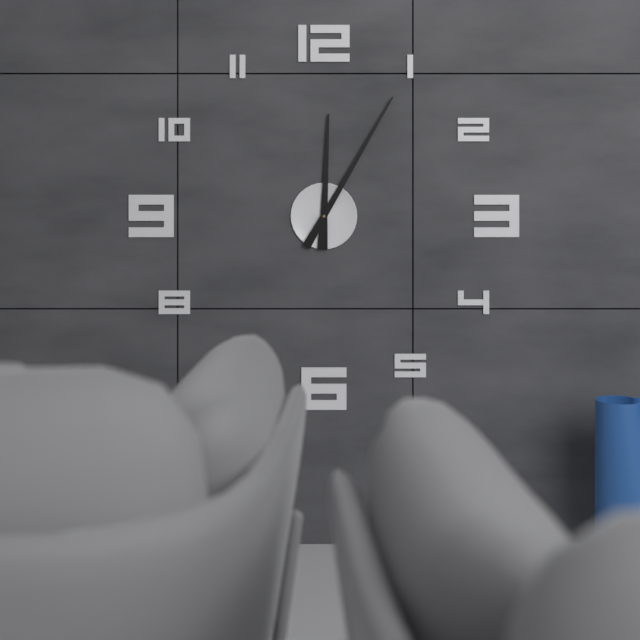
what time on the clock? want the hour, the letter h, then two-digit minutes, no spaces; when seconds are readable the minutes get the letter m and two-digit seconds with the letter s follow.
12h05
